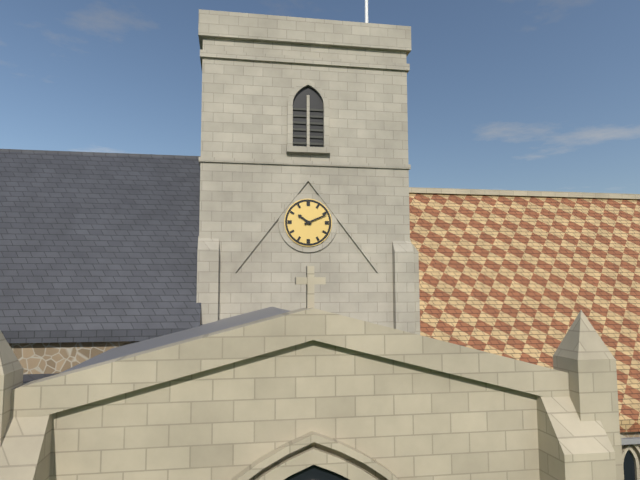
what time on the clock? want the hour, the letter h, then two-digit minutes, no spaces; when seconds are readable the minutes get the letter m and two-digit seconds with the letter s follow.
10h11
